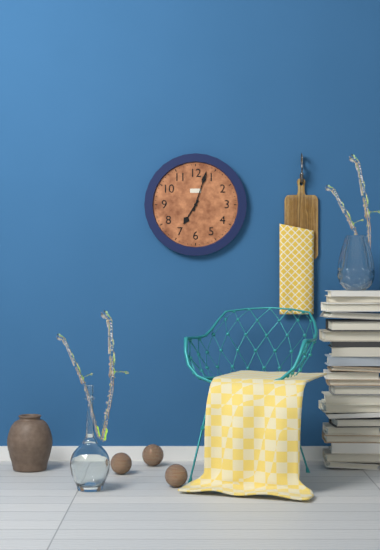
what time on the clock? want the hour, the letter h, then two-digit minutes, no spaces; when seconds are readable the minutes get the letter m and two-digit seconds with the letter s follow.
7h03
